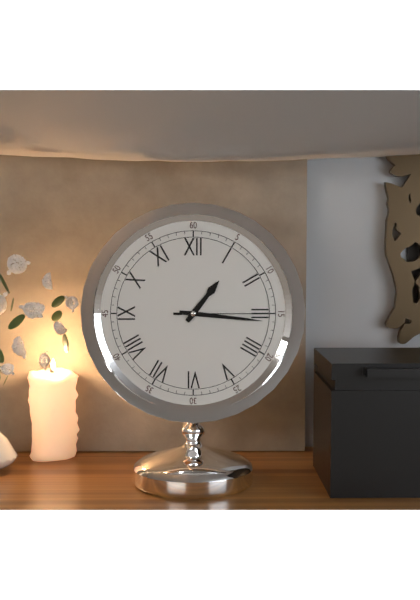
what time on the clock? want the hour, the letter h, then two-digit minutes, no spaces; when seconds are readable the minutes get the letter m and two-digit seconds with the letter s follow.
1h16m15s
